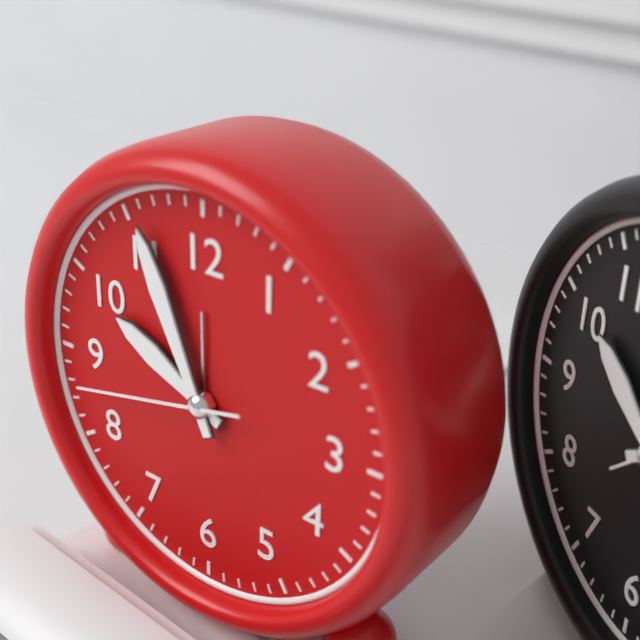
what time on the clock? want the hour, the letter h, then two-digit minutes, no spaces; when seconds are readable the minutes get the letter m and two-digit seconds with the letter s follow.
9h56m43s
